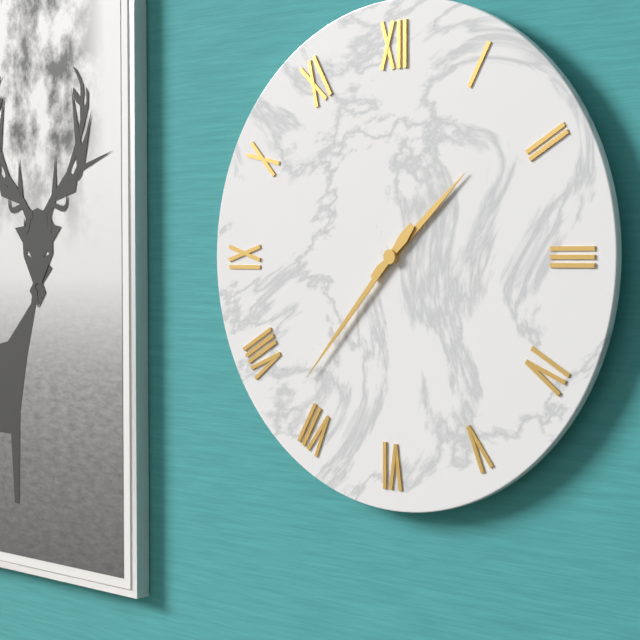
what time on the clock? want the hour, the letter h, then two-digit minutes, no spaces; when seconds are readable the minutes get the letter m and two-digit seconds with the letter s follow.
1h37
